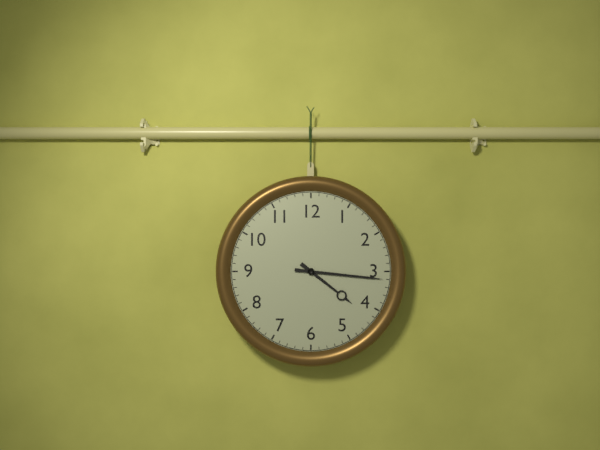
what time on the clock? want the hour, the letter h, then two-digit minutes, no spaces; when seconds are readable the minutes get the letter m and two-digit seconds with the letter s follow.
4h16
